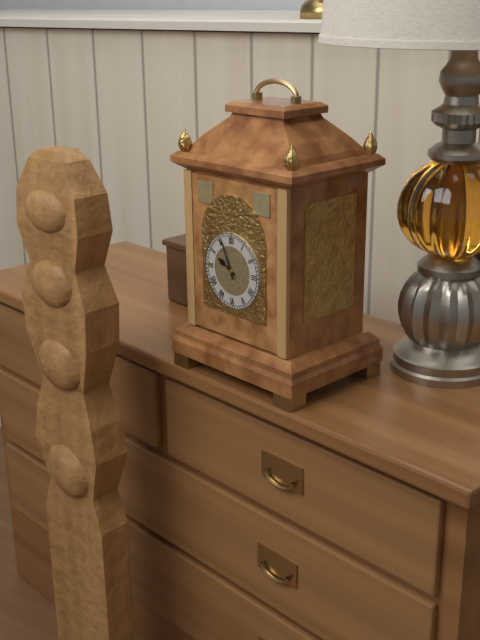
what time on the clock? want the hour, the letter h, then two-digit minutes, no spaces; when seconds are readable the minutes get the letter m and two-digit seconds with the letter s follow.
9h56
